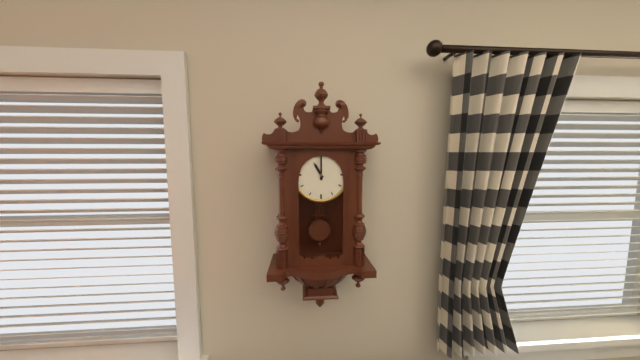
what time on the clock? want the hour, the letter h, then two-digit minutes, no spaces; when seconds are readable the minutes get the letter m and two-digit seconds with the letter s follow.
11h00
